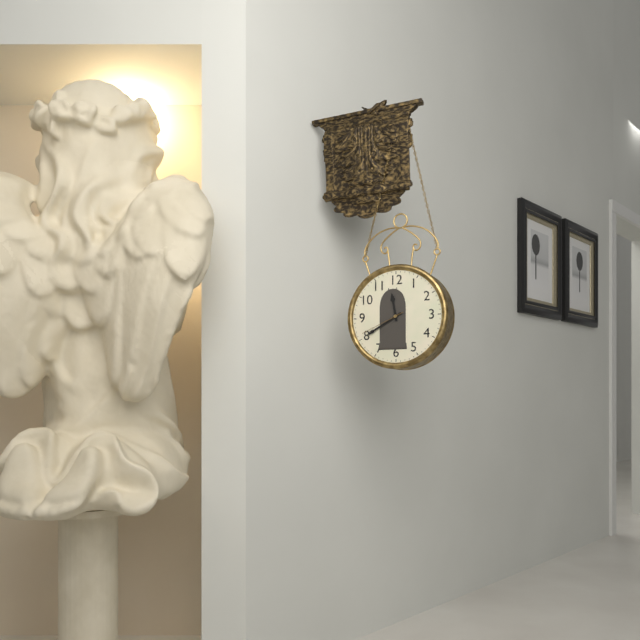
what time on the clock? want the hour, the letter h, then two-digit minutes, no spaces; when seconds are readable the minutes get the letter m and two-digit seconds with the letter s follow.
11h40
